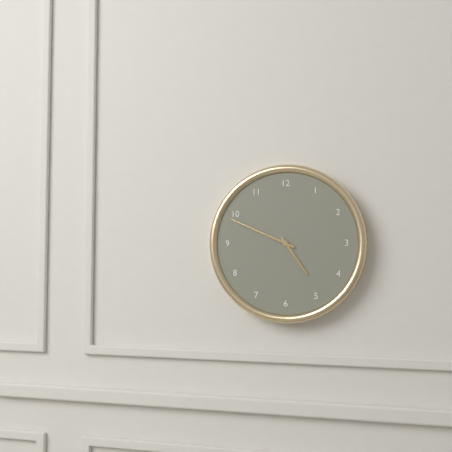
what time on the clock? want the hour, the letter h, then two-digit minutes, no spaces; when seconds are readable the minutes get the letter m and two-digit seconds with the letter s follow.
4h49
